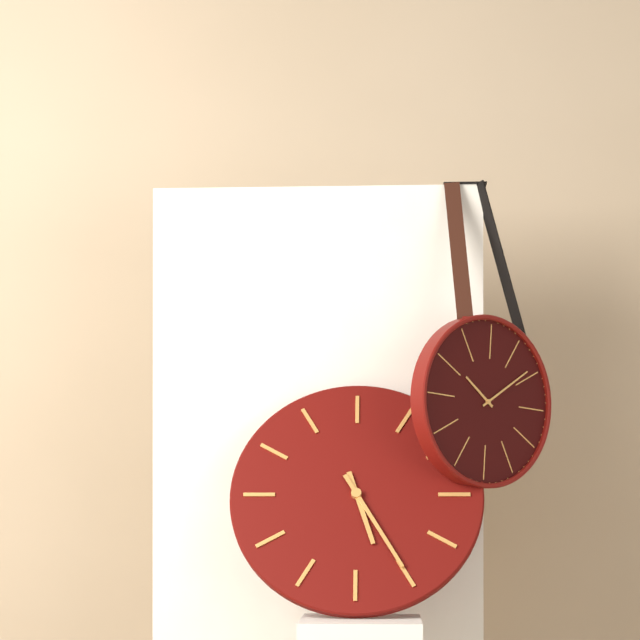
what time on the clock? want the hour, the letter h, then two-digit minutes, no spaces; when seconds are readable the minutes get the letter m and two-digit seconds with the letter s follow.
5h25
